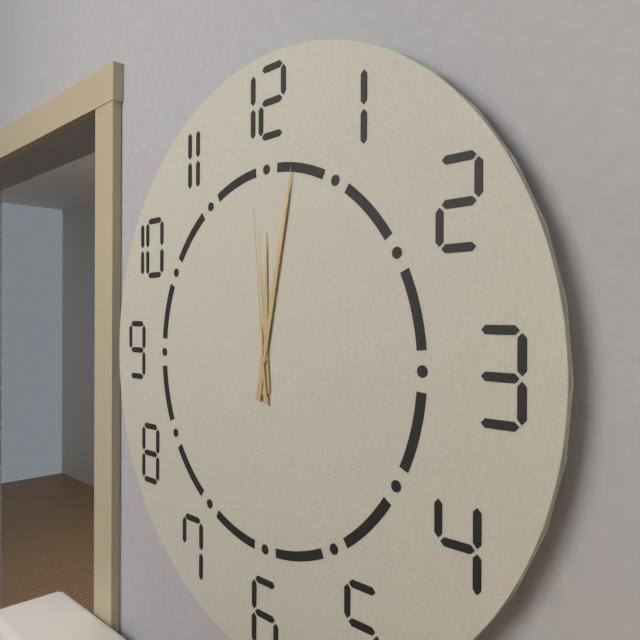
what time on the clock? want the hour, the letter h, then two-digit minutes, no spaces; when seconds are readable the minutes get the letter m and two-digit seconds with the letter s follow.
12h02m59s
